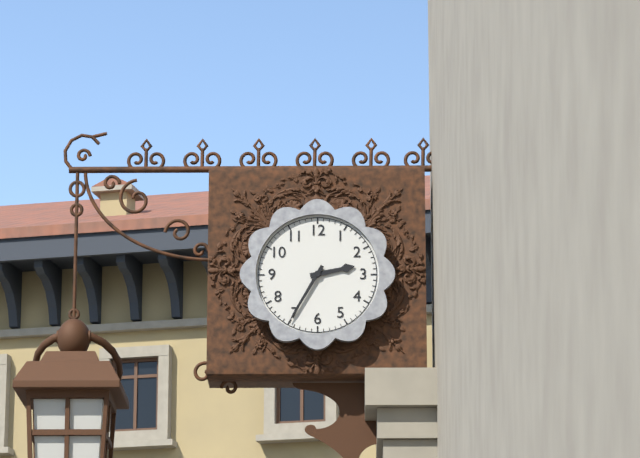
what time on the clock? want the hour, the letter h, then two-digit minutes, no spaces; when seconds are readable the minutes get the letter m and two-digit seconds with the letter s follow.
2h35
